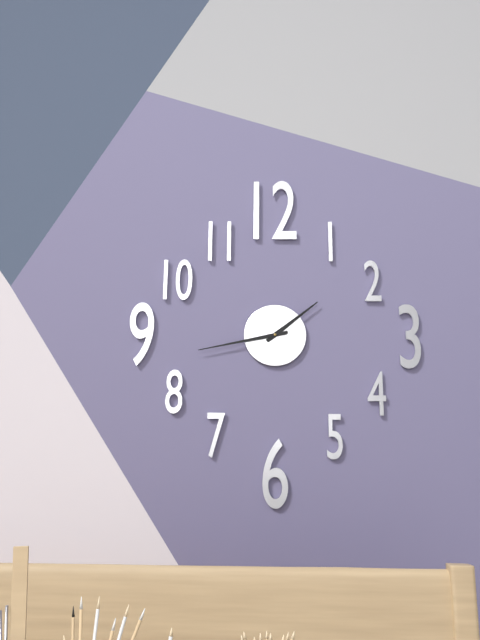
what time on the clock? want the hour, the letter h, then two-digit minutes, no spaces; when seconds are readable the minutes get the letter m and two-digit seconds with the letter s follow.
1h43
